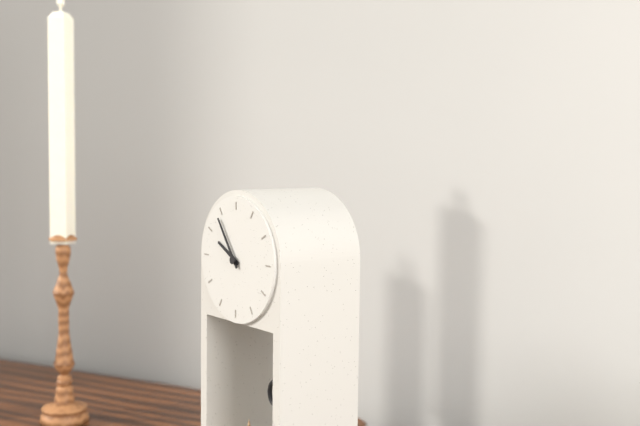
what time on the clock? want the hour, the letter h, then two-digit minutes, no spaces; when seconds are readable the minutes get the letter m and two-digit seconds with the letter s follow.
9h54
